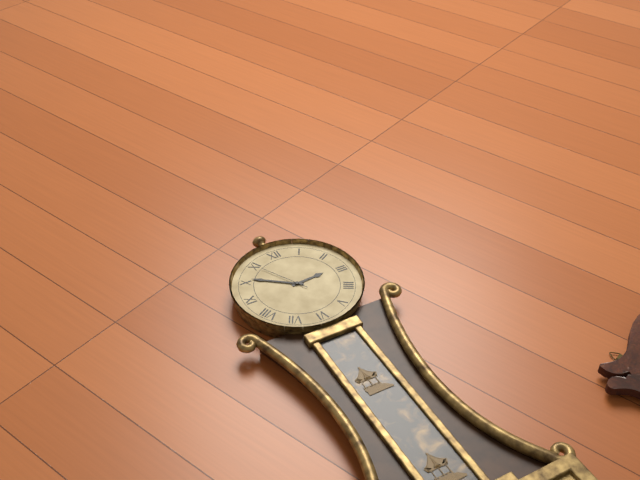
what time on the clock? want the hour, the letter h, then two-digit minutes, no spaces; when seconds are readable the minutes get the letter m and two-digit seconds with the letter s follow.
2h51
